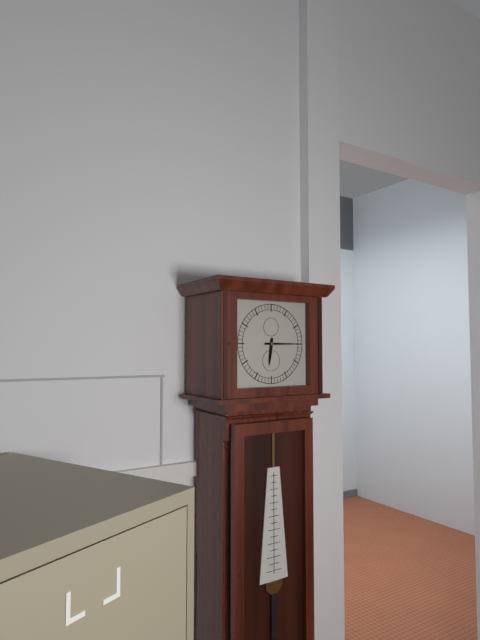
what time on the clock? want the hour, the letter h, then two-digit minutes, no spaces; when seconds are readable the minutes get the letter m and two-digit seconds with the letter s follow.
6h15
